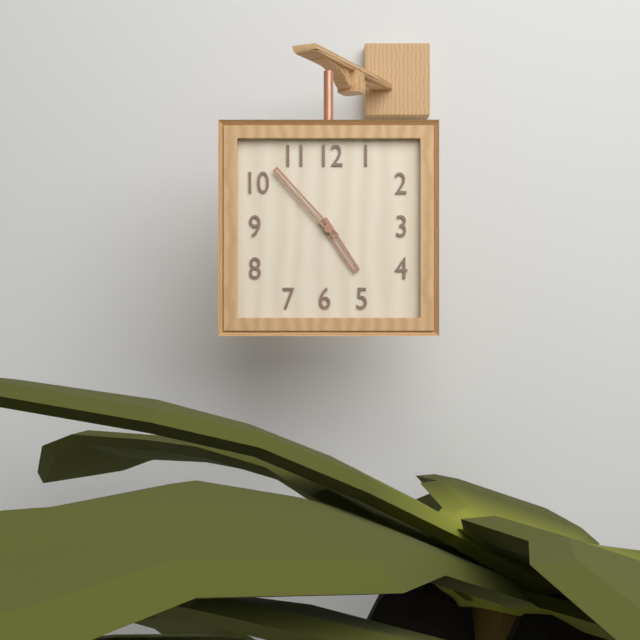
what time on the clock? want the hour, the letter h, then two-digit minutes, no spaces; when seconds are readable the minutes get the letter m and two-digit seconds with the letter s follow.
4h53
